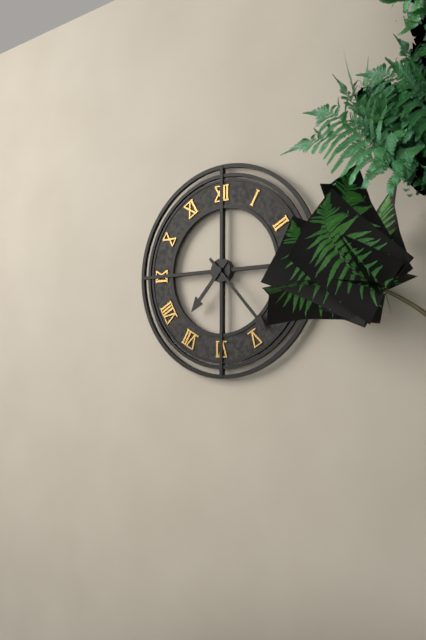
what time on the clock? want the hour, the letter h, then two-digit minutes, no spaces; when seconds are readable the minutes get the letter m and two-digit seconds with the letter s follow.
7h23
